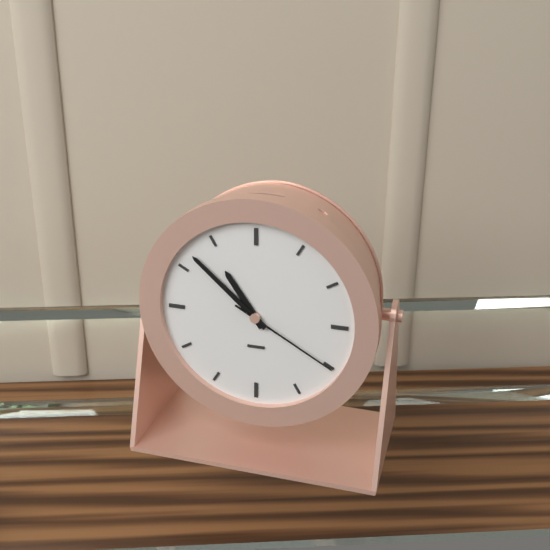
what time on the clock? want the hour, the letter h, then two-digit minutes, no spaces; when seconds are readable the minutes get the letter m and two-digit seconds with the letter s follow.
10h52m20s
